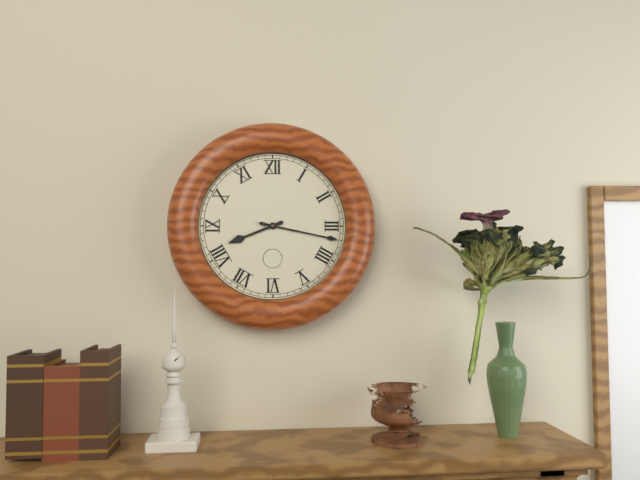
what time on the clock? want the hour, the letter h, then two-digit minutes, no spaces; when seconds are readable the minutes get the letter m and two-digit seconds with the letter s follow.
8h17
